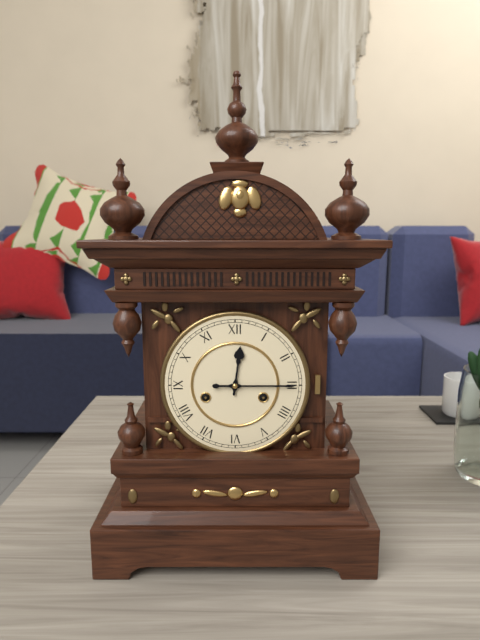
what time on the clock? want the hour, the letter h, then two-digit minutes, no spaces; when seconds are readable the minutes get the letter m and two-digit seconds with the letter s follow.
12h15
